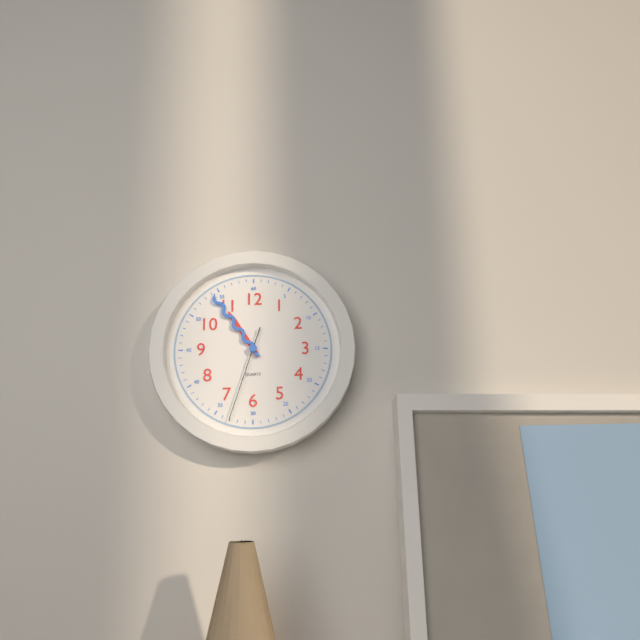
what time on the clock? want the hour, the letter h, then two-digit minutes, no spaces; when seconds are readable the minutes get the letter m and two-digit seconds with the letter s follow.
10h54m33s
